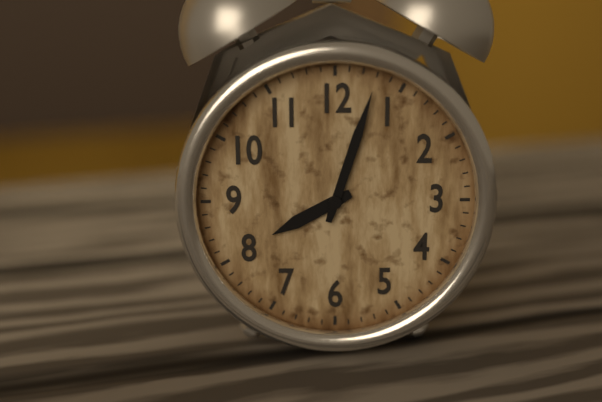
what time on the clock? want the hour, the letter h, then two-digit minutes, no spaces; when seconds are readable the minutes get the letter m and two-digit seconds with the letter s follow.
8h03
